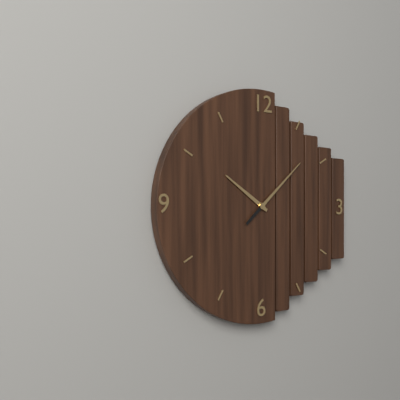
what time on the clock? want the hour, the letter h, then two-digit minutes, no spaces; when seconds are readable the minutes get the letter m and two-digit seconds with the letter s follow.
10h08
